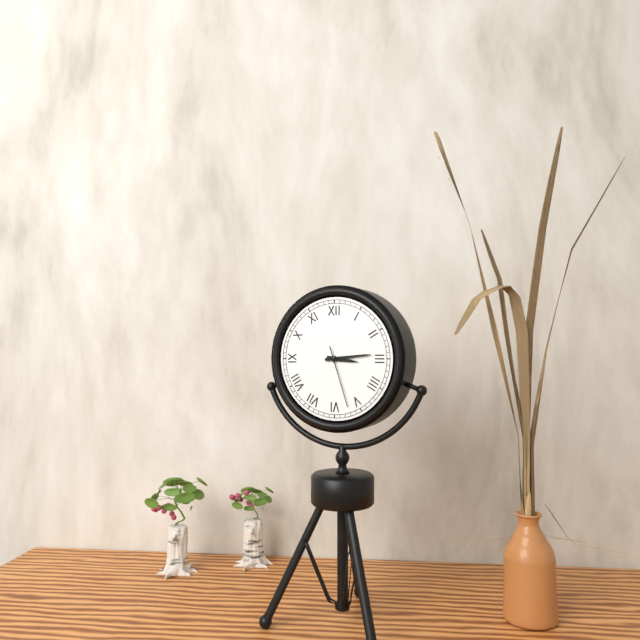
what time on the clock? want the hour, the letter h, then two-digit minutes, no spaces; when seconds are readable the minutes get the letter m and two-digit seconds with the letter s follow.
3h14m27s
